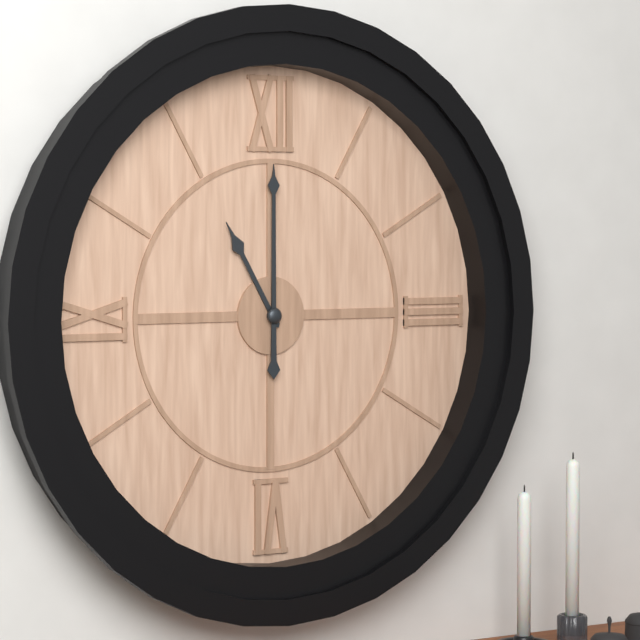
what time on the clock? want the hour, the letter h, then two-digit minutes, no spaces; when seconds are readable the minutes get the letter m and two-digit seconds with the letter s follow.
11h00
